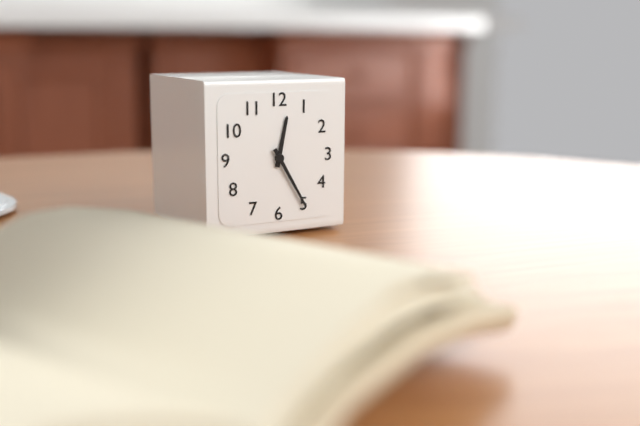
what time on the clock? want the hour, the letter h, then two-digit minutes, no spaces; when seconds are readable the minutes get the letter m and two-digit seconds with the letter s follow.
12h25
